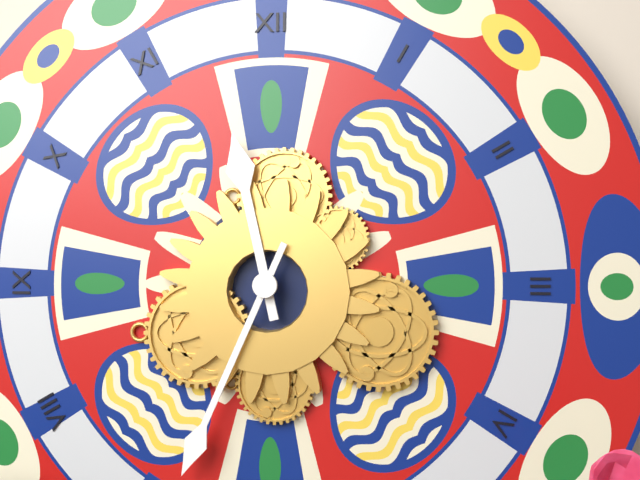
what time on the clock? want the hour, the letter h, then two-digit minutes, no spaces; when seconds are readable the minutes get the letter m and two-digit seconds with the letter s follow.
11h34
